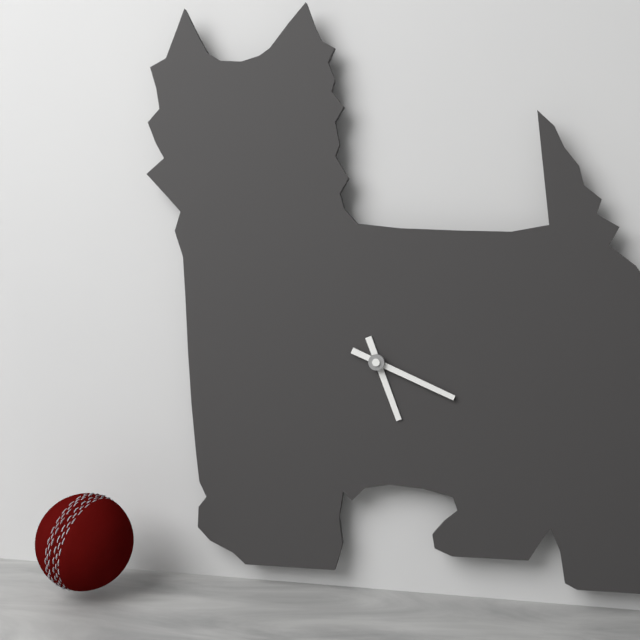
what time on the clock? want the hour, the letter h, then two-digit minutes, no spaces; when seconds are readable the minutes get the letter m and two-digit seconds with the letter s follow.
5h19
